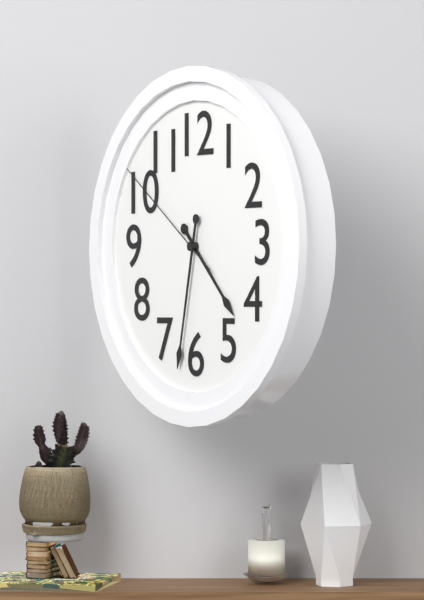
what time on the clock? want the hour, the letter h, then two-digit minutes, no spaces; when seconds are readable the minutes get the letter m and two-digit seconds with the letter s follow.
4h32m51s
